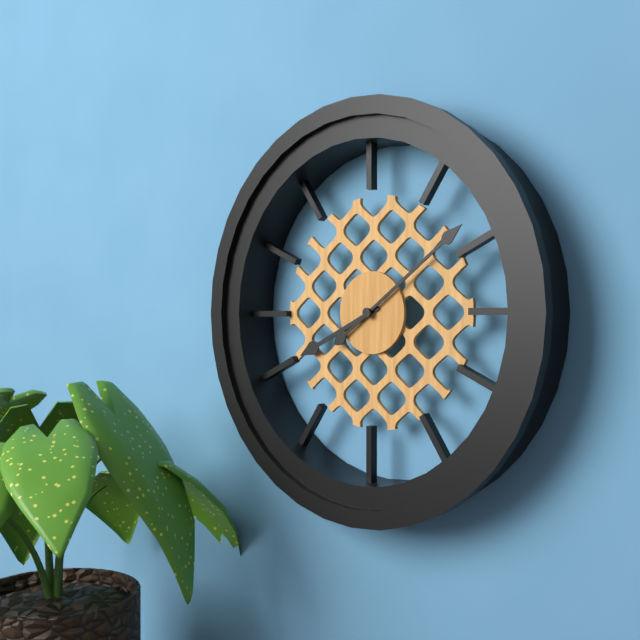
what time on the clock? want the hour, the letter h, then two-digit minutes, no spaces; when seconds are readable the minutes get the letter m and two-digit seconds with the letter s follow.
8h09
